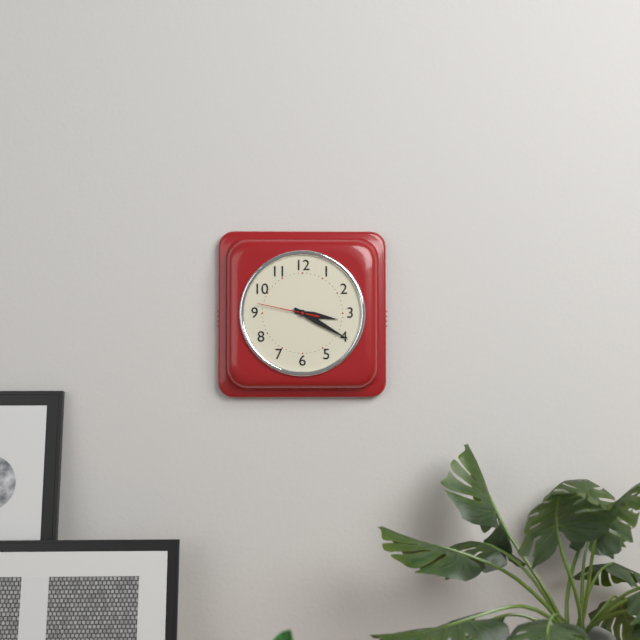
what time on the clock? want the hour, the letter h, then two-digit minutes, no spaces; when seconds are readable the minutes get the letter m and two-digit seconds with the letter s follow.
3h20m47s
